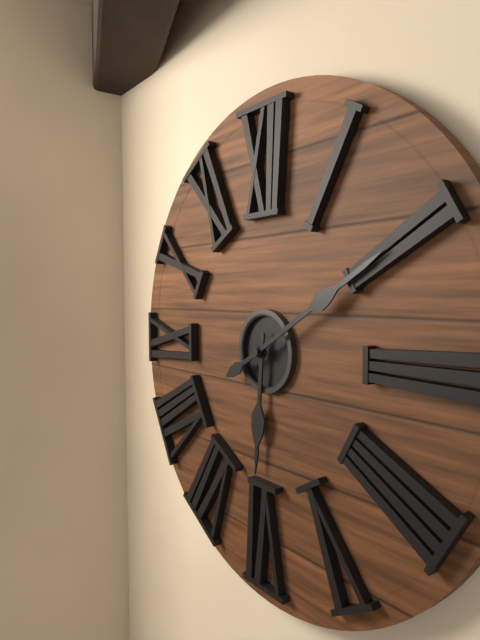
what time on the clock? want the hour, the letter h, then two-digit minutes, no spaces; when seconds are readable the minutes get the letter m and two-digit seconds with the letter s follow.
6h10
